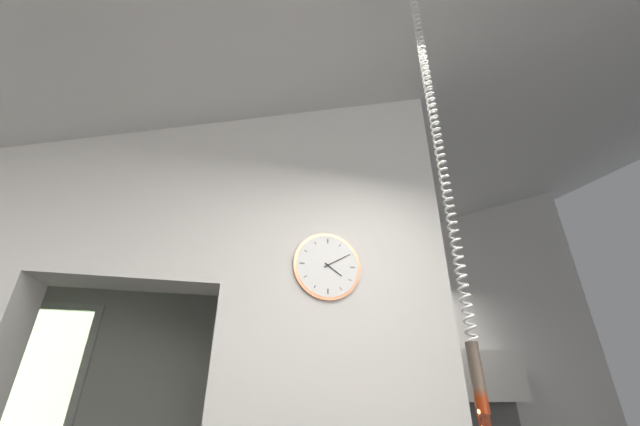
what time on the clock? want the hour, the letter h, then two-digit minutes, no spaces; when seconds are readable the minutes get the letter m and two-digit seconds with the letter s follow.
4h10
